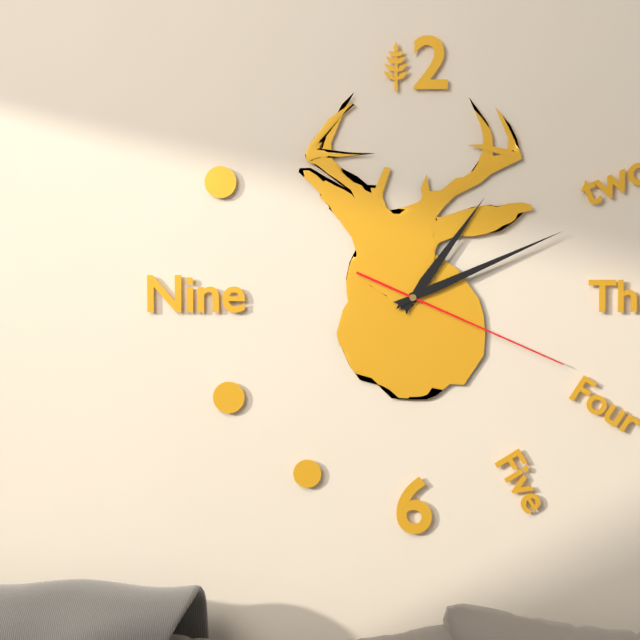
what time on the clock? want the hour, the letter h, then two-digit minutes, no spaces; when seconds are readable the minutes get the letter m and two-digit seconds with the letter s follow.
1h11m19s
